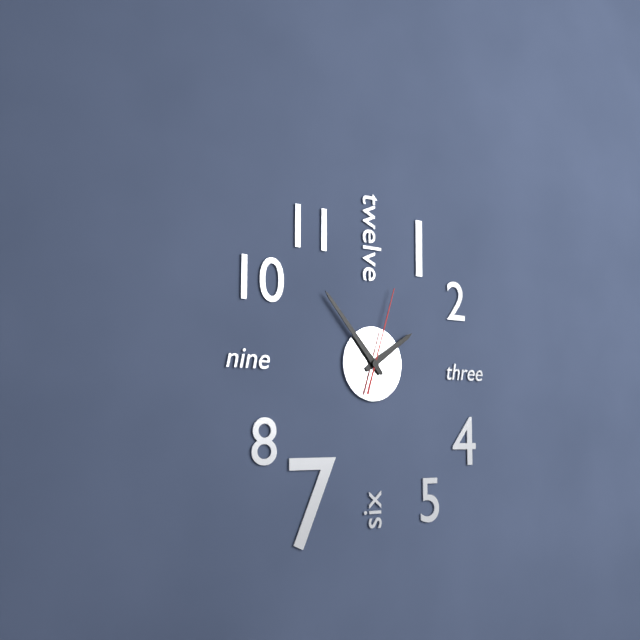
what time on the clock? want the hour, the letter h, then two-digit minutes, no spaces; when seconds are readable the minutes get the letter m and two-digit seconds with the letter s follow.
1h53m03s
